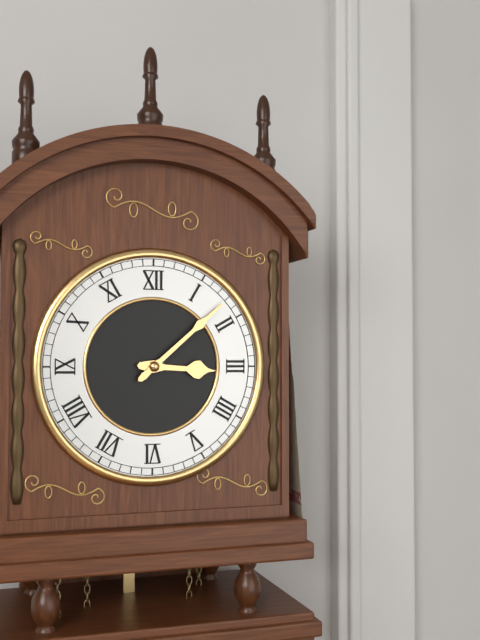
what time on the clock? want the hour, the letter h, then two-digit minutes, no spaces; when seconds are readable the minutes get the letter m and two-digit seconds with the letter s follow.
3h08
